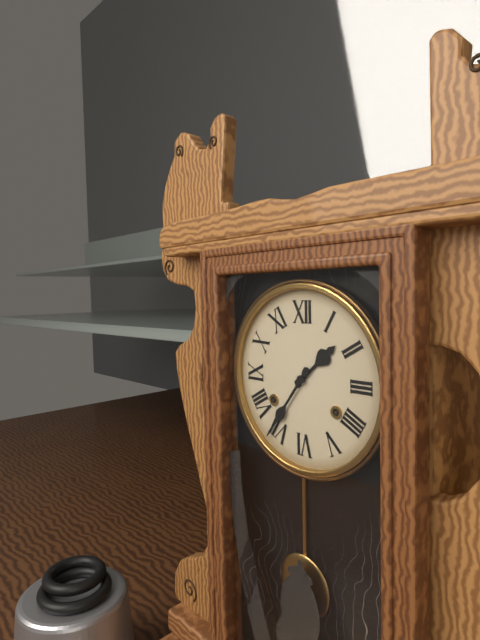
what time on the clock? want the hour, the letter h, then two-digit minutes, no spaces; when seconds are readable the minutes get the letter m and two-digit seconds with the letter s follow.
1h36
